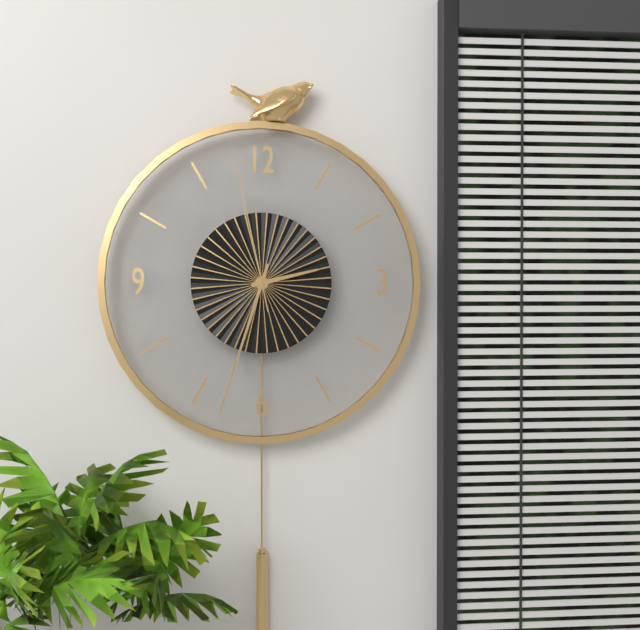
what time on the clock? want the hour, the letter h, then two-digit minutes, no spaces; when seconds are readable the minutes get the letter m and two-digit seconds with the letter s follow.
2h33m58s
